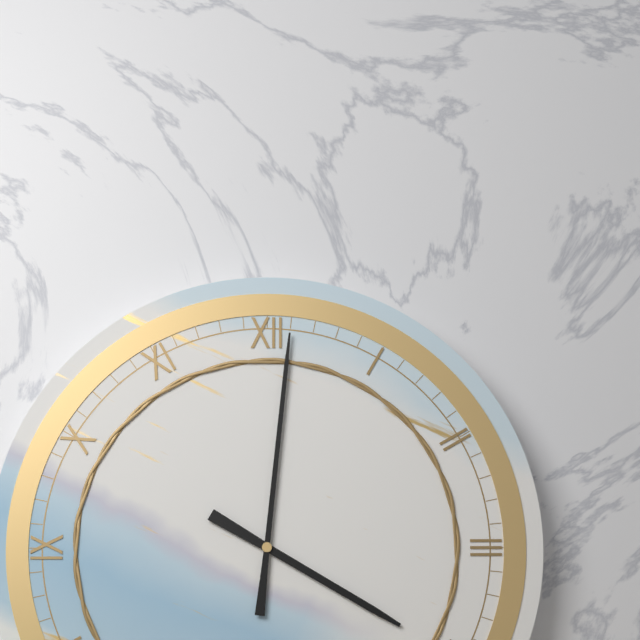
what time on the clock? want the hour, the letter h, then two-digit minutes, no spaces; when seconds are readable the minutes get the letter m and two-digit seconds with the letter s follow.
4h01
